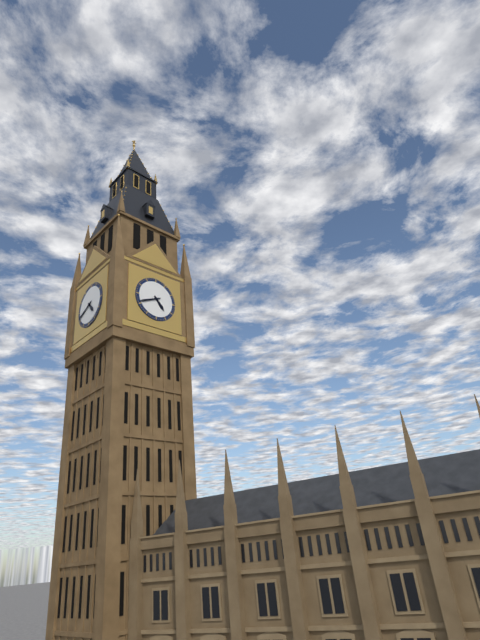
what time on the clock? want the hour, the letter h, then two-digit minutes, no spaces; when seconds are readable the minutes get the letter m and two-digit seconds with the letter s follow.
4h41
